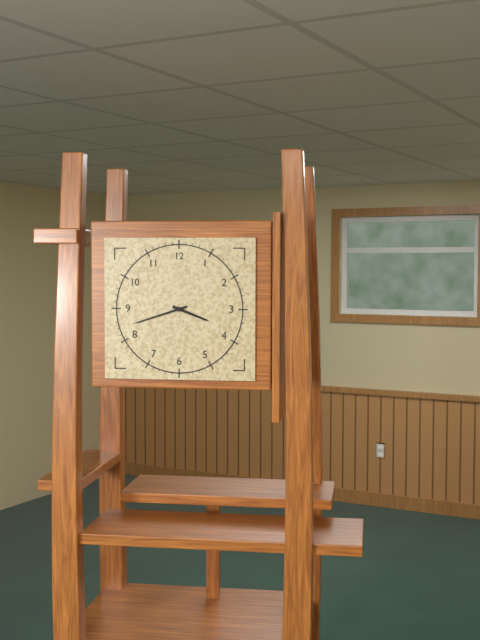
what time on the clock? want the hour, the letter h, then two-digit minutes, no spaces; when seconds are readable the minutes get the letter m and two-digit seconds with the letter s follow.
3h42
